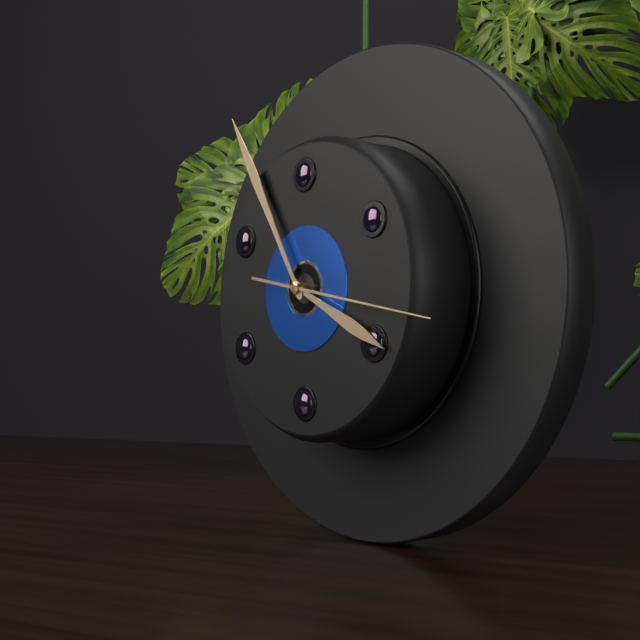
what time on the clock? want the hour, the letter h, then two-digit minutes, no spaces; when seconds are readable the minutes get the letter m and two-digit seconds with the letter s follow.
3h55m17s
